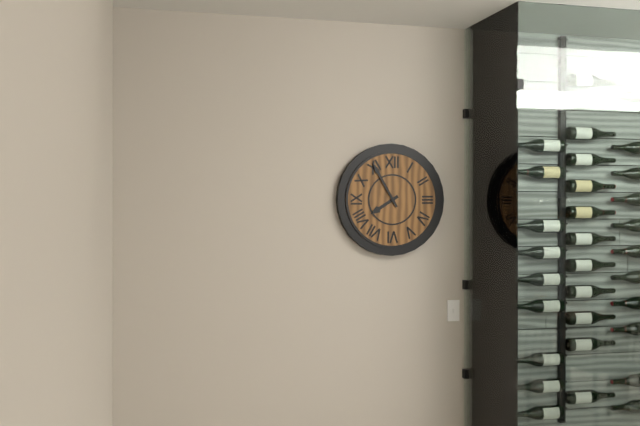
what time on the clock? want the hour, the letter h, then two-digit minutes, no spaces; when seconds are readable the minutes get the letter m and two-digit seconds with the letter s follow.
7h55
